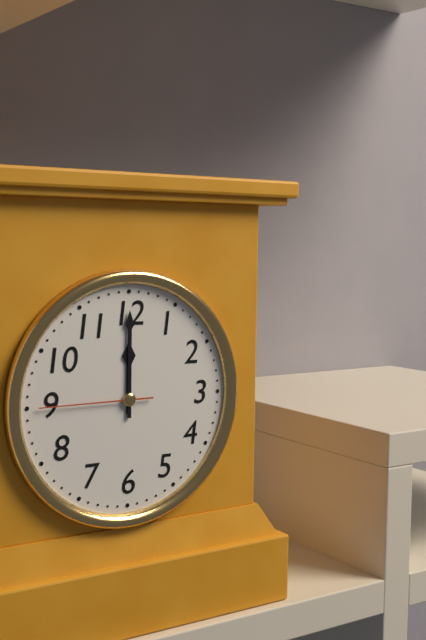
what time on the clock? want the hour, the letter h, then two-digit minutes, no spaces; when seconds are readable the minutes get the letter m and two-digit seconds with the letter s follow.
12h00m45s
